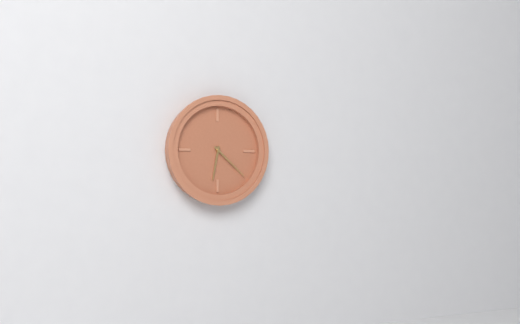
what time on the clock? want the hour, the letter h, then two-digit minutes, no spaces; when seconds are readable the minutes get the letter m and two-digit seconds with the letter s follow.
6h22
